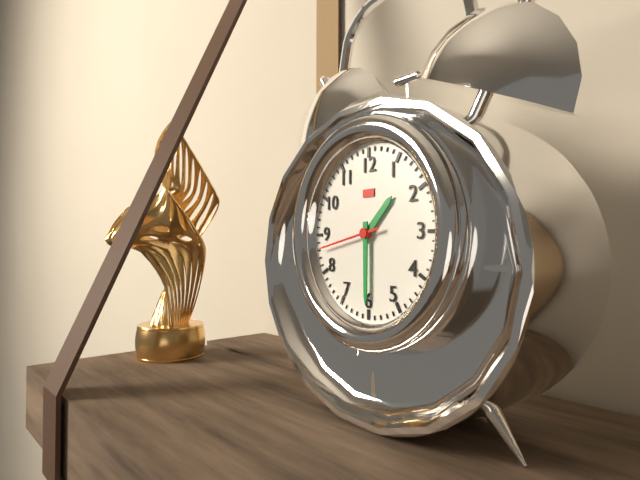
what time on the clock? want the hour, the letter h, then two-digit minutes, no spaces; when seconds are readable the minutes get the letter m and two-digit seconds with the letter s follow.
1h30m43s
